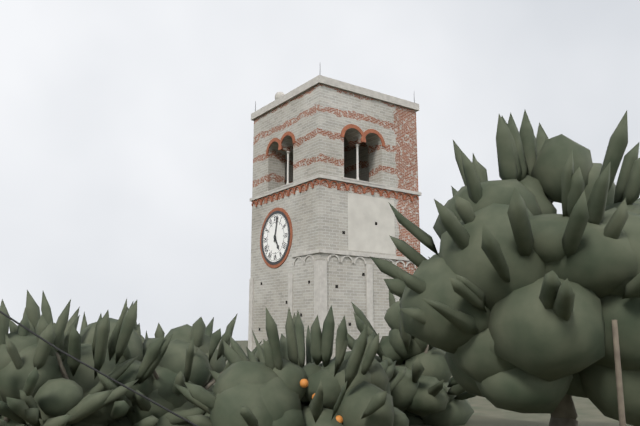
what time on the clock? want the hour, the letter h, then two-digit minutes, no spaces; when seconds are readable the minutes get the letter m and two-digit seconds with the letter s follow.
5h02
